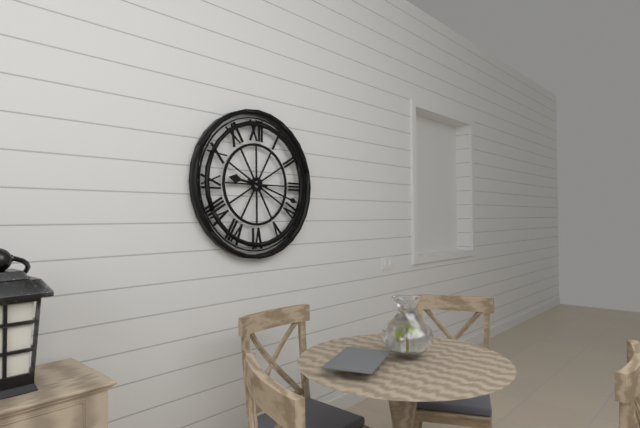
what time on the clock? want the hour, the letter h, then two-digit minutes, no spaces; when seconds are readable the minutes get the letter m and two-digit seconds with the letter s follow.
9h18
